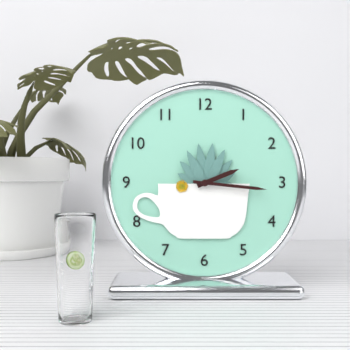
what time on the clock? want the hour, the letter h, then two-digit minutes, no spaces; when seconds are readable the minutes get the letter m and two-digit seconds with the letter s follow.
2h16
